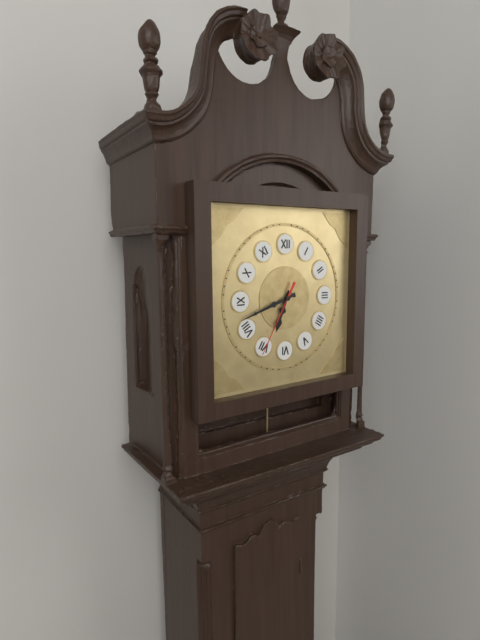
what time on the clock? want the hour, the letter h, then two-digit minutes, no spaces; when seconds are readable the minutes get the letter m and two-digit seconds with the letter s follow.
6h42m35s
